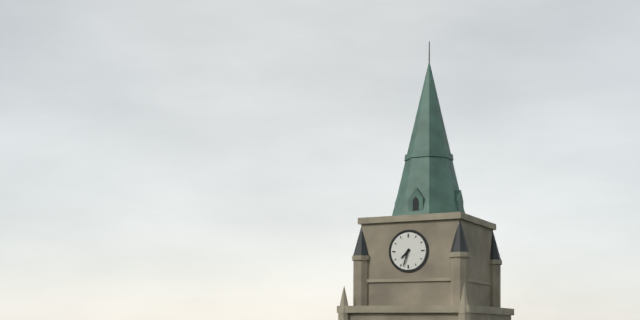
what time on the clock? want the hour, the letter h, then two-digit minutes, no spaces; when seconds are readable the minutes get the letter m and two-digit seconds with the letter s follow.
7h33
